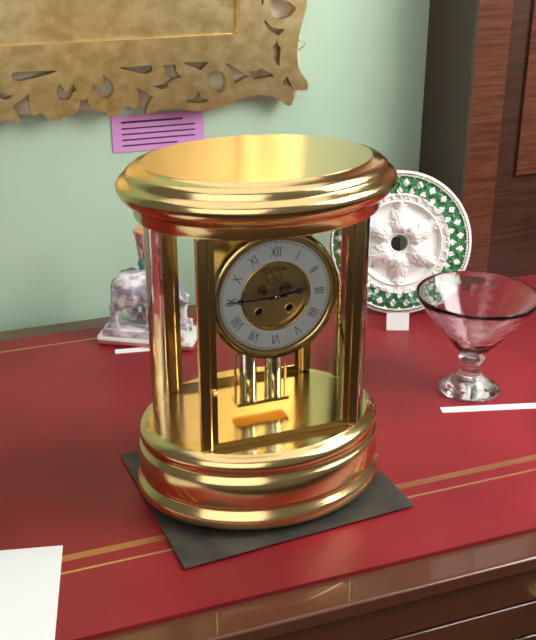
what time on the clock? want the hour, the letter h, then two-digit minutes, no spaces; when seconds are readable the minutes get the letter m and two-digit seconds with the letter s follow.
2h45
